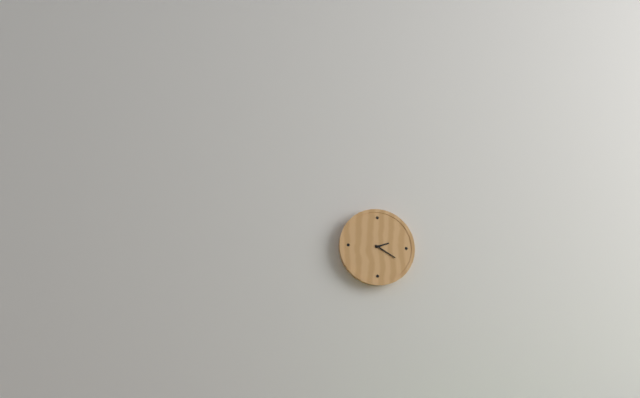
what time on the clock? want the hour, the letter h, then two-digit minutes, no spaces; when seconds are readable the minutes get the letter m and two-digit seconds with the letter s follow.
2h20
